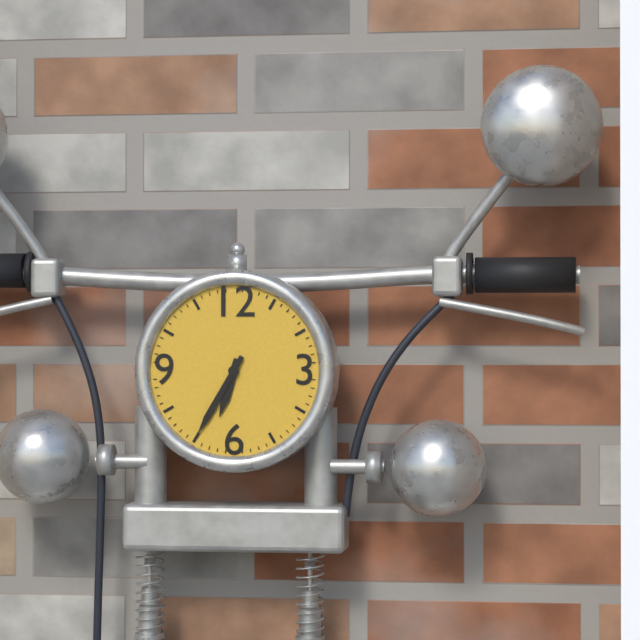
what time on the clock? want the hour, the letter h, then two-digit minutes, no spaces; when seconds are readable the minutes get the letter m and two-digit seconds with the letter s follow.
6h35
